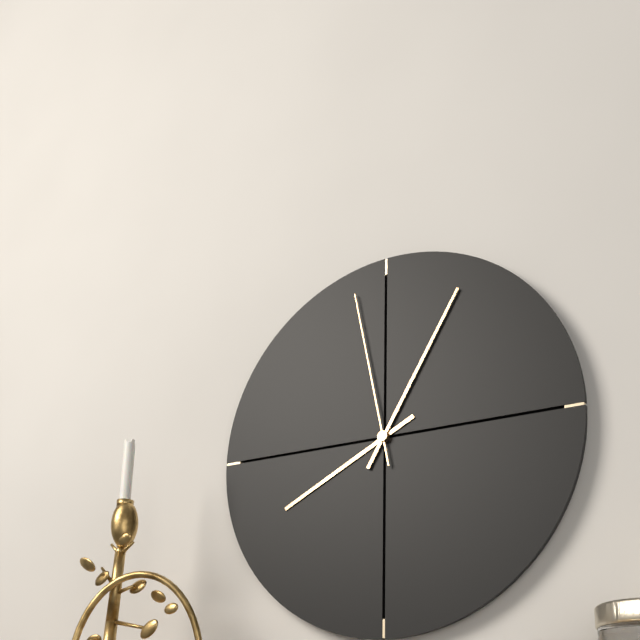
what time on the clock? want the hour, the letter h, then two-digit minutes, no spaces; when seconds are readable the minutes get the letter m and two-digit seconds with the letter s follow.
8h05m58s
